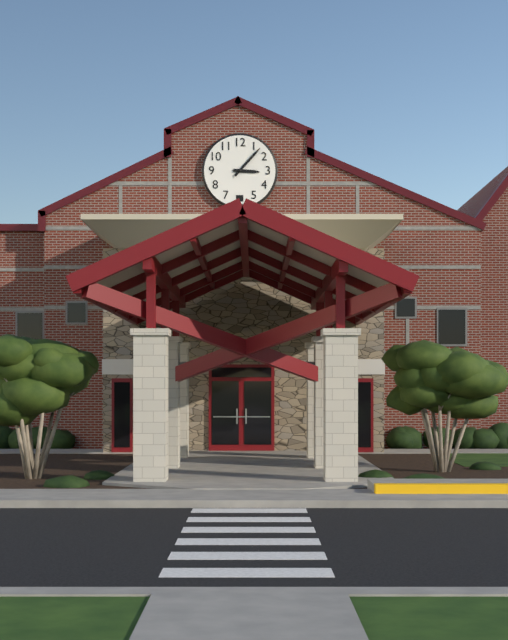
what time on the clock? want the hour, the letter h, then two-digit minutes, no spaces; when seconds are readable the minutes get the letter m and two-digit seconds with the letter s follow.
3h07
